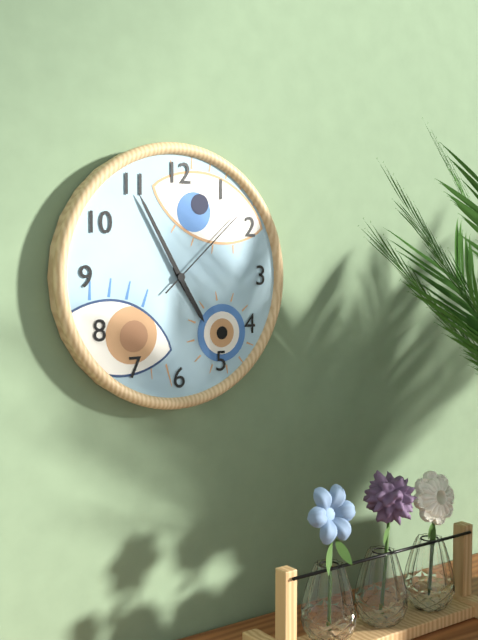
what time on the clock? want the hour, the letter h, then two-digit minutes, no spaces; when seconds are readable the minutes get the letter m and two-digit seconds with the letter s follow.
4h55m08s
